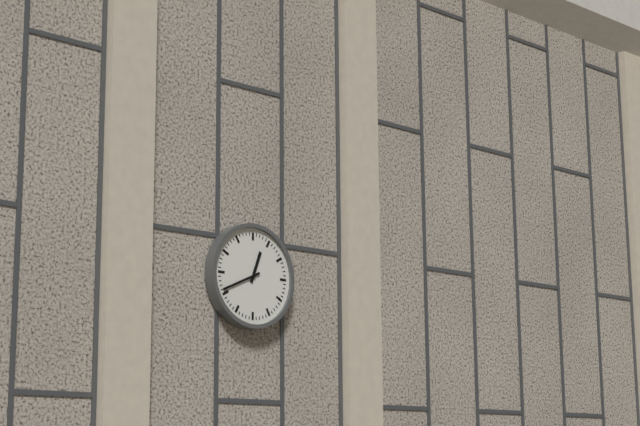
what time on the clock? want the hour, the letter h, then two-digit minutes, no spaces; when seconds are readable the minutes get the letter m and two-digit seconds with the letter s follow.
12h41
